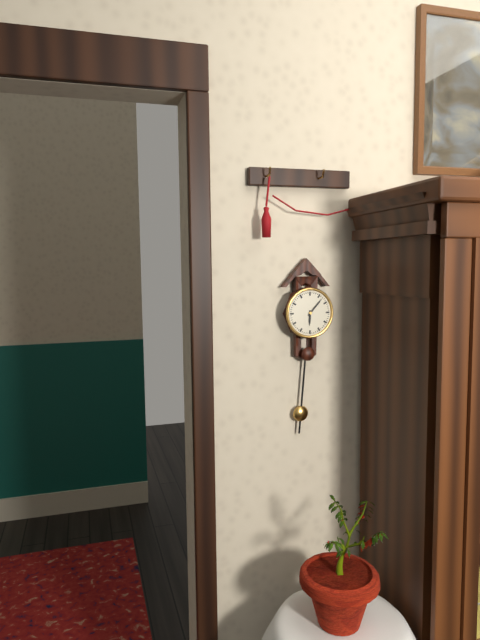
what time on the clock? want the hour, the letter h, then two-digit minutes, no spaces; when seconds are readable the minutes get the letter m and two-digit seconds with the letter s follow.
6h07
